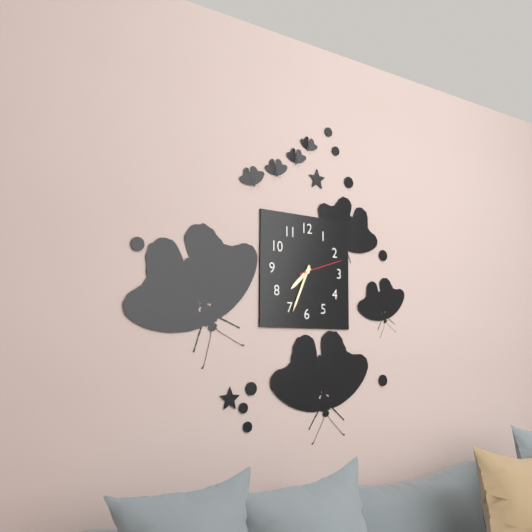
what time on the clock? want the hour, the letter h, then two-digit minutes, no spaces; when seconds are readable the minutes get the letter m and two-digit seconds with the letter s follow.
7h34
